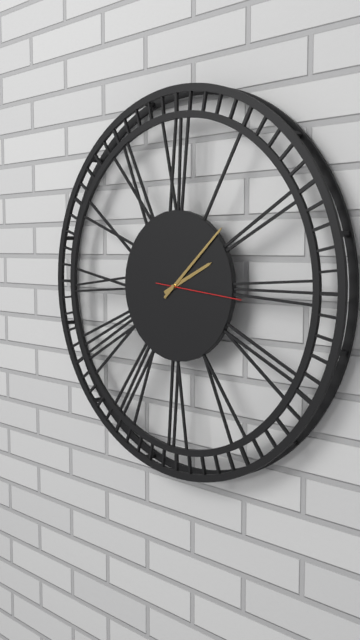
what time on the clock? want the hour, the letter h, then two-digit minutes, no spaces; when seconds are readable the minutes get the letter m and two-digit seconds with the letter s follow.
2h08m16s
